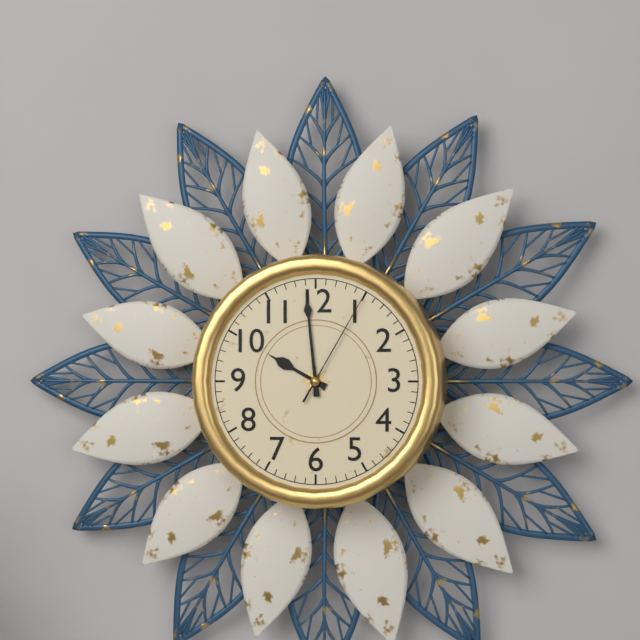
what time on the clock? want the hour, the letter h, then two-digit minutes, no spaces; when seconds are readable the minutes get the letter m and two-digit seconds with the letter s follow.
9h59m05s
